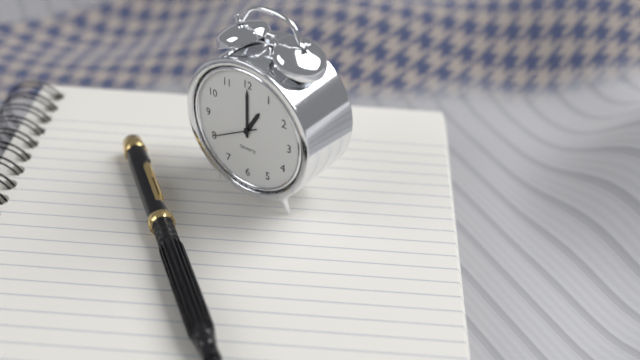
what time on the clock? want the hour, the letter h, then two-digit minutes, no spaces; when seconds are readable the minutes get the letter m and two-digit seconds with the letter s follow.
1h00
